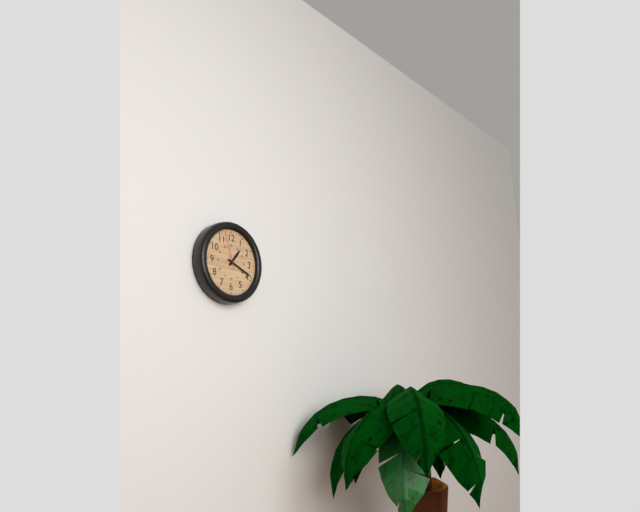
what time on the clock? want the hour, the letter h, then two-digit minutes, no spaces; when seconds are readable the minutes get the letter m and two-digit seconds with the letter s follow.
1h19
